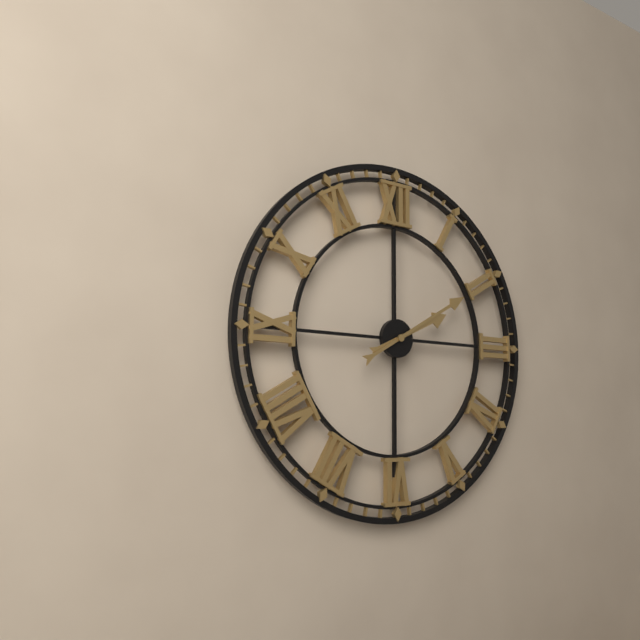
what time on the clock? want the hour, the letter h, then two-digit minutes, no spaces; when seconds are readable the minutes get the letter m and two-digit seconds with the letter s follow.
2h10
